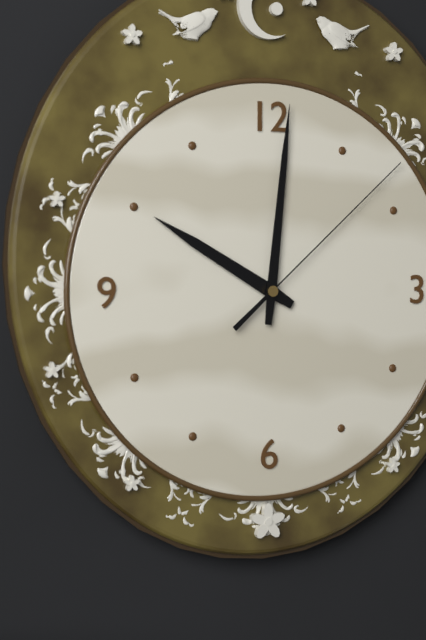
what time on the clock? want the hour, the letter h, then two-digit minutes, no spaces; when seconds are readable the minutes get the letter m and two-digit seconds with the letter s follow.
10h01m08s
